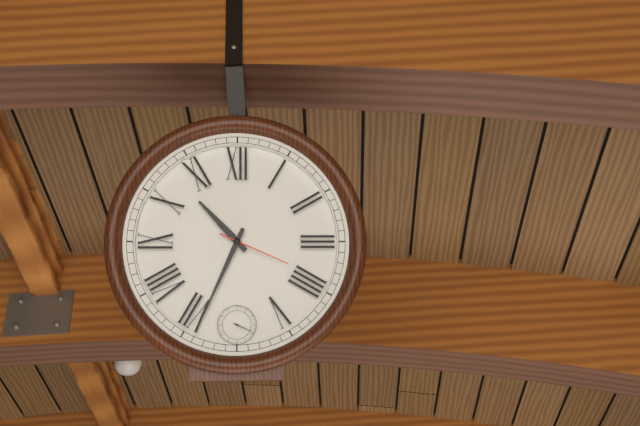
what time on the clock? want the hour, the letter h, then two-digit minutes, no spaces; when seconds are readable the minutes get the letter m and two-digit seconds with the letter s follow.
10h34m19s
